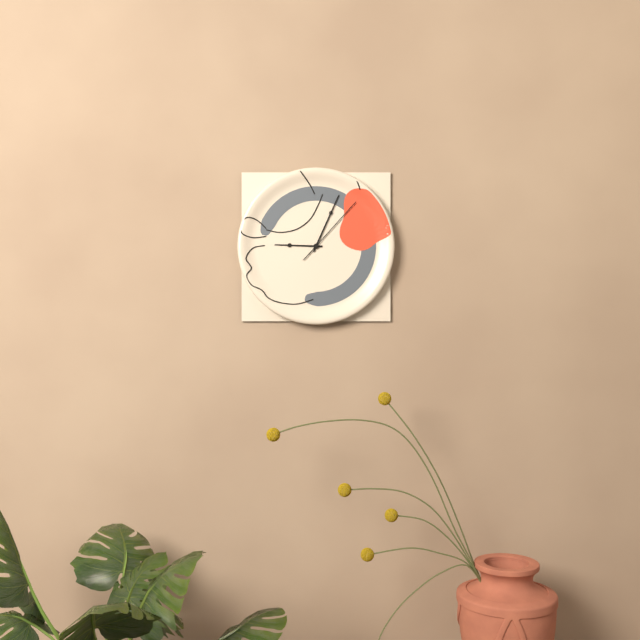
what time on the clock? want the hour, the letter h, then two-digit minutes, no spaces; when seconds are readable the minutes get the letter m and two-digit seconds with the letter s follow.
9h04m07s
